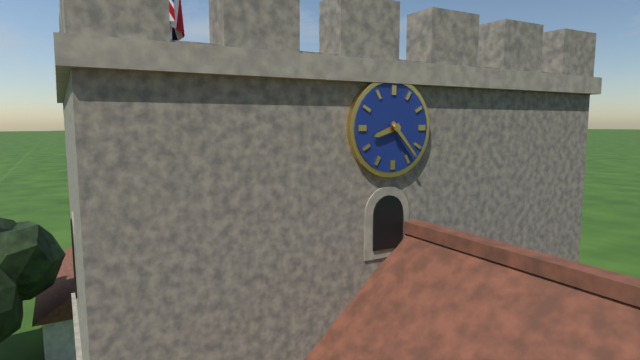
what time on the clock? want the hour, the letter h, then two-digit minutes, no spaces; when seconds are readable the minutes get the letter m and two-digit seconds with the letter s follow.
8h23
